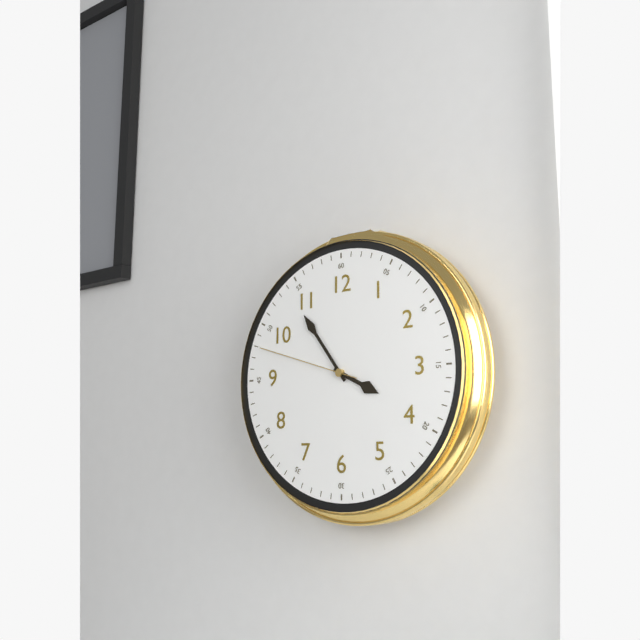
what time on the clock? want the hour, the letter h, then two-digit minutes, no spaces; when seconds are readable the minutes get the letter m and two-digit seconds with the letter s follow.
3h54m48s
